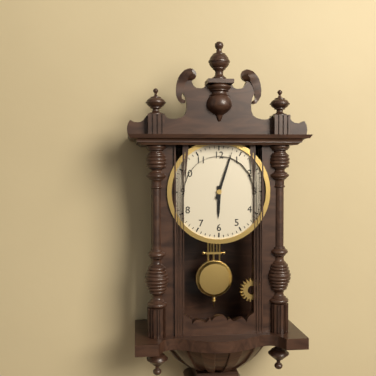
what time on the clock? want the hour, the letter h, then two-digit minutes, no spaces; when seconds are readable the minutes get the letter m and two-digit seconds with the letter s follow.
6h03
